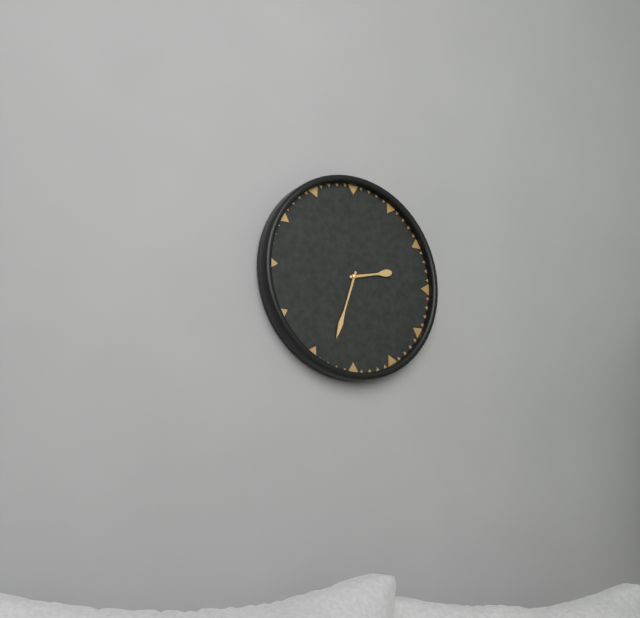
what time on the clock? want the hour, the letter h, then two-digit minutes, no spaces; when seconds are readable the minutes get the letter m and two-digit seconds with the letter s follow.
2h33
